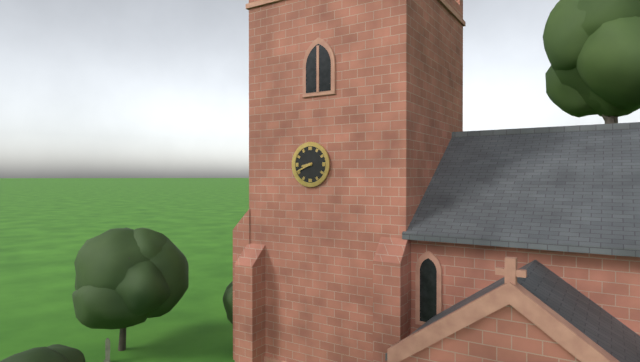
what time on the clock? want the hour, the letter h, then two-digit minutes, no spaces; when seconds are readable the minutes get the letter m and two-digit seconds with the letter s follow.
8h41
